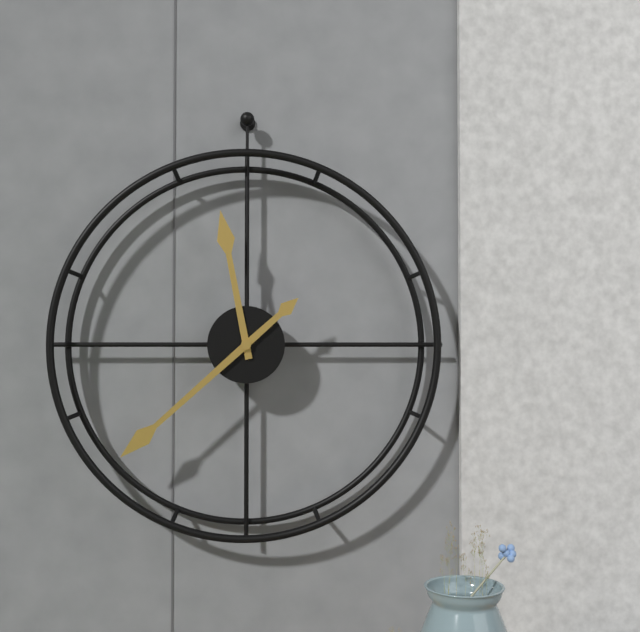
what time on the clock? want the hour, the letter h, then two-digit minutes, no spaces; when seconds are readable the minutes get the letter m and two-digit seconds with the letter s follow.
11h38
